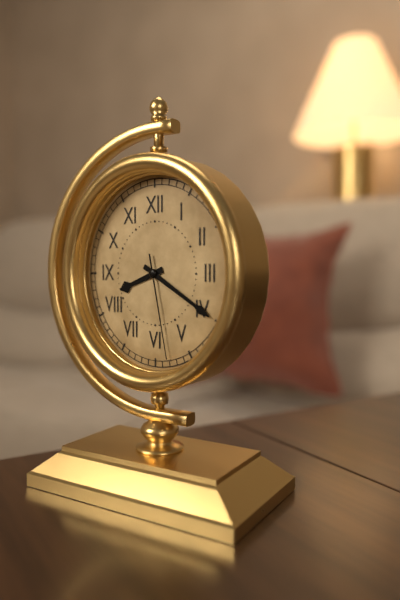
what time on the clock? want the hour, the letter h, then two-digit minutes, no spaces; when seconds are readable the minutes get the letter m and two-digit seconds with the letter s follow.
8h20m28s
